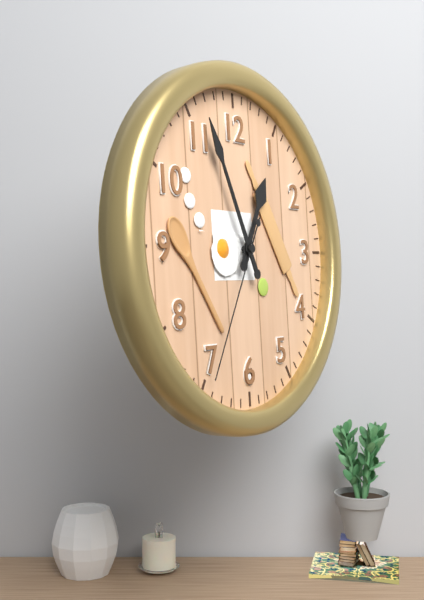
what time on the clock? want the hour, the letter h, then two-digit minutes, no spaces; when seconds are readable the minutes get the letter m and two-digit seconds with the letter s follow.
12h56m35s
